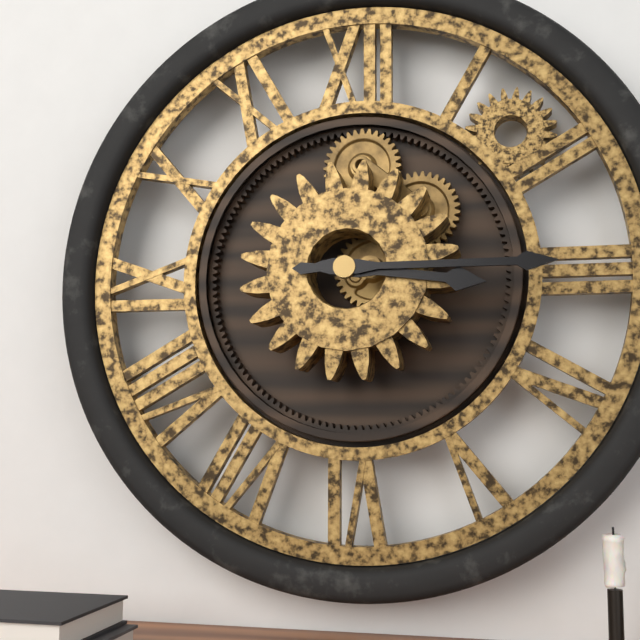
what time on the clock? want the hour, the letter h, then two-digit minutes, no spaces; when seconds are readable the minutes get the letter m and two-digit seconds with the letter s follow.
3h15
